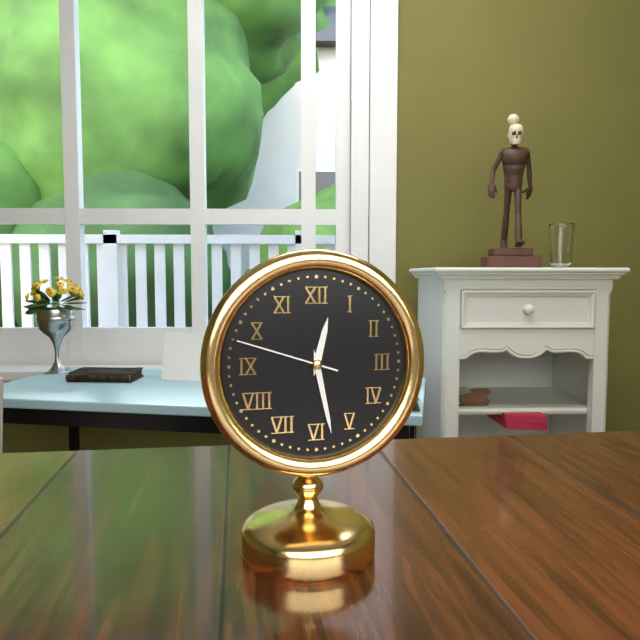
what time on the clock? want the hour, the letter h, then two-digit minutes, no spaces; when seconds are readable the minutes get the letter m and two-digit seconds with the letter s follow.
12h28m48s
